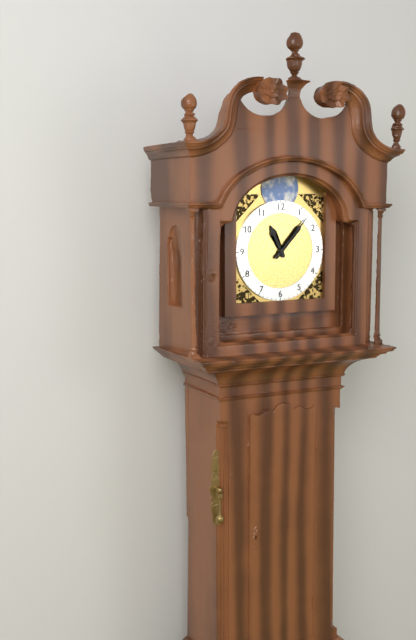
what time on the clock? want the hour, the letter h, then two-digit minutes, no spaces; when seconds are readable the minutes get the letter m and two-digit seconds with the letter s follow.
11h07
